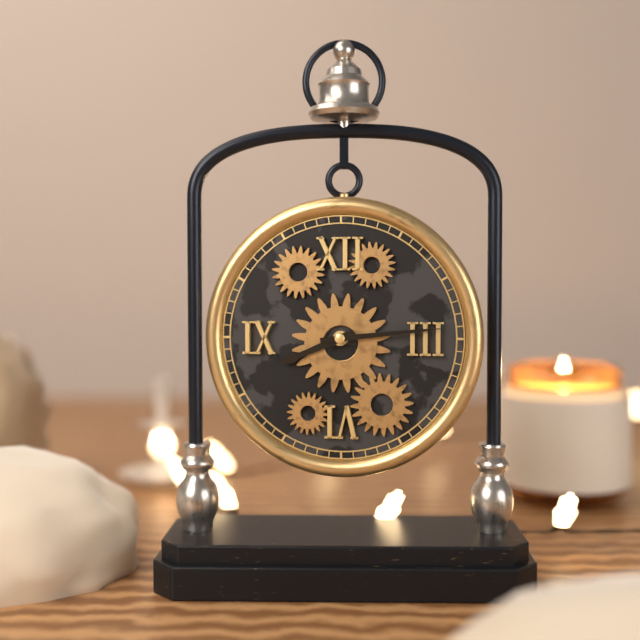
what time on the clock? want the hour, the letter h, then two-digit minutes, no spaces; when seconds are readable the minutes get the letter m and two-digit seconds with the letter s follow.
8h14
